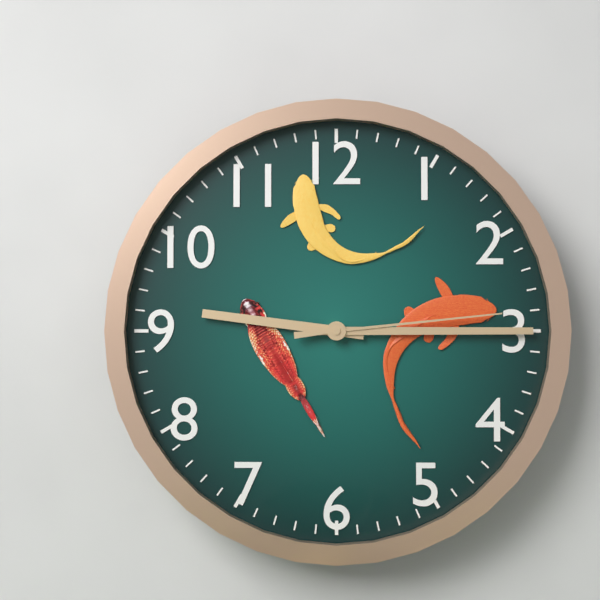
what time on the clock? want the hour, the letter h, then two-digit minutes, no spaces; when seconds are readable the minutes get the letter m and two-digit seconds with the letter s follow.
9h15m14s
